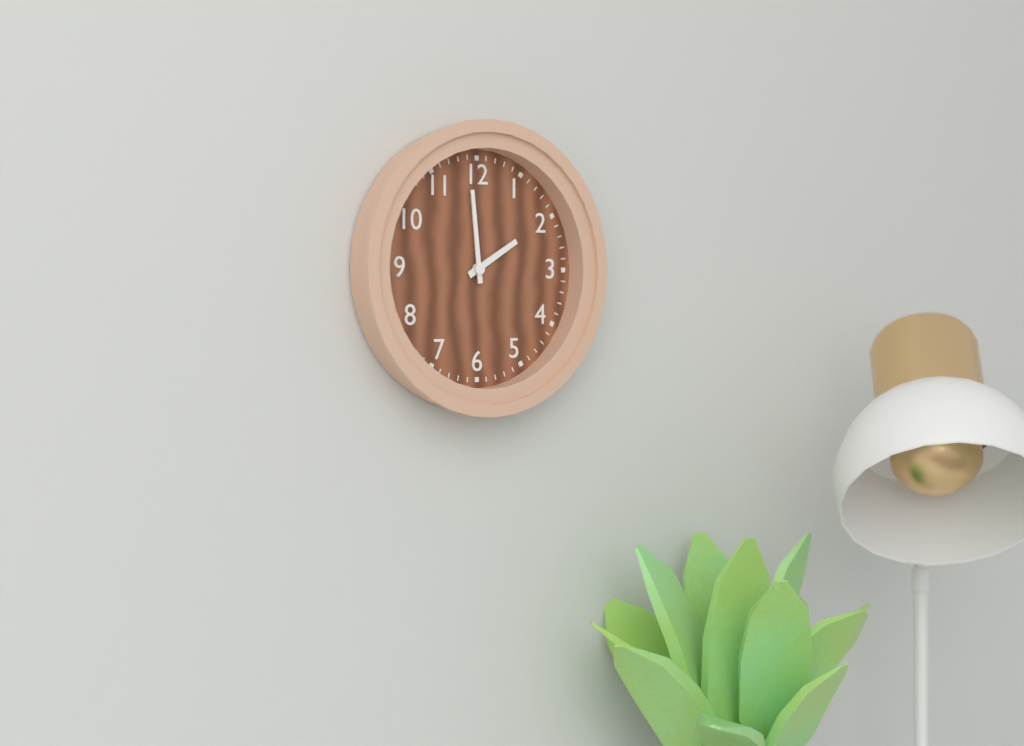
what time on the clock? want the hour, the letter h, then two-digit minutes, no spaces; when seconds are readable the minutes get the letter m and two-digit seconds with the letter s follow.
1h59
